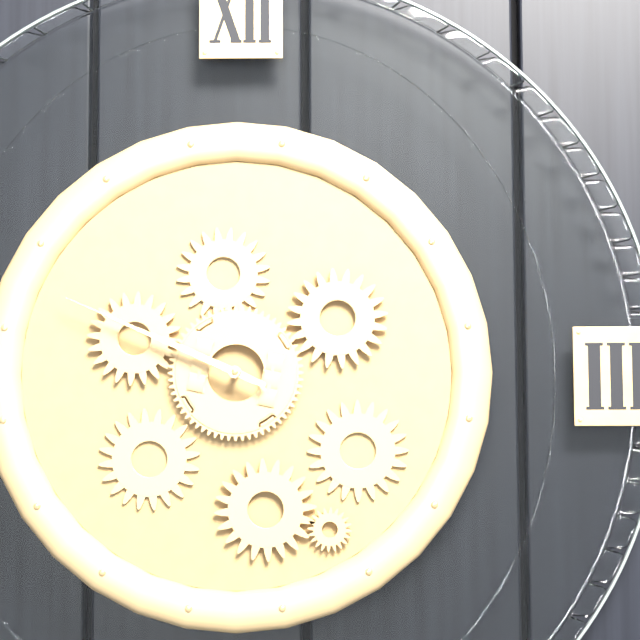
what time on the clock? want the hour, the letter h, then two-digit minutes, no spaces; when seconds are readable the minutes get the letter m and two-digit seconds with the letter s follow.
9h49
